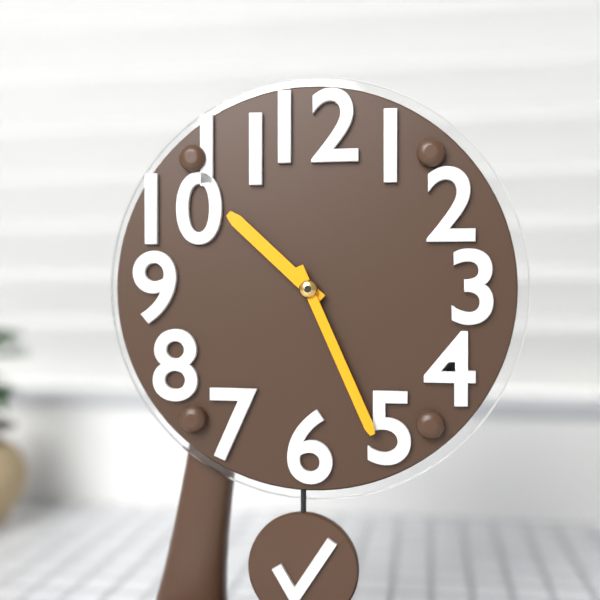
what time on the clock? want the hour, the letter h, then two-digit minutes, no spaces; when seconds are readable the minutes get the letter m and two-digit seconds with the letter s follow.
10h26
